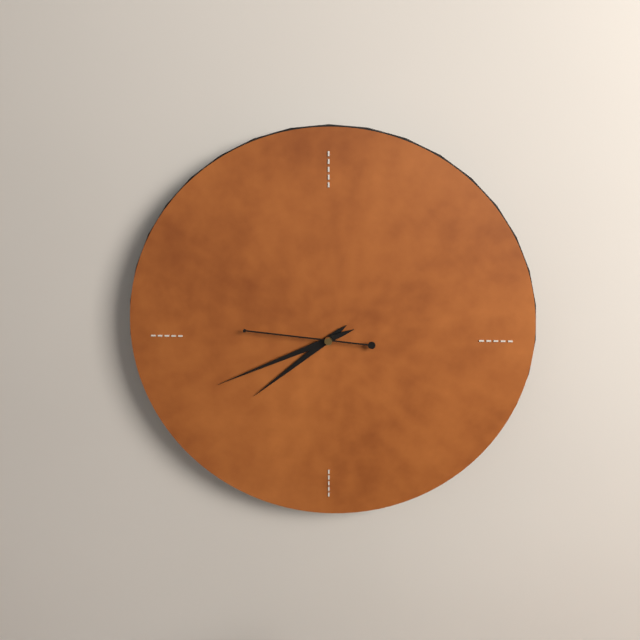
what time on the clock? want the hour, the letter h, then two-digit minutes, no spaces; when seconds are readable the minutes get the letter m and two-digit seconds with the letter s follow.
7h41m46s
